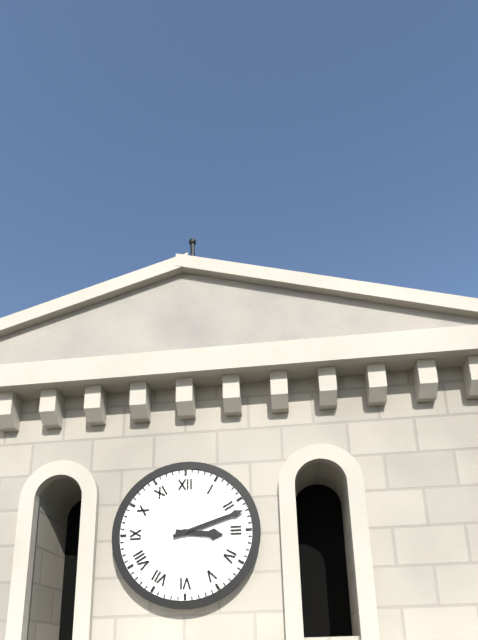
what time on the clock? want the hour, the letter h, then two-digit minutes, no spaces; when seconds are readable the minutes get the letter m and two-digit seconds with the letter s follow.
3h12
